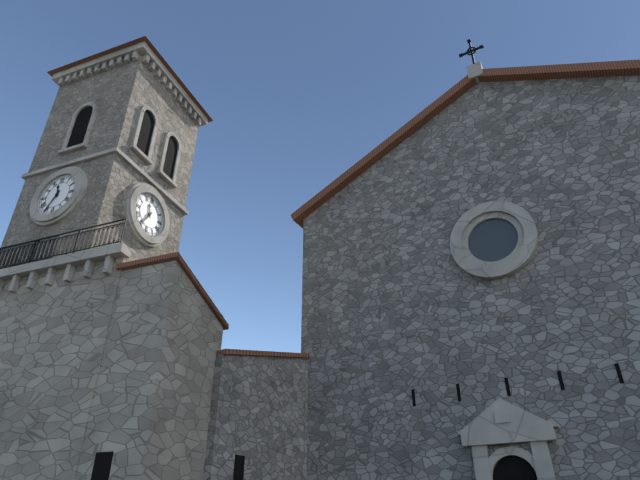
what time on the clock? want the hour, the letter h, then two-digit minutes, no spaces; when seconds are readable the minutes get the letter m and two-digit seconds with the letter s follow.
11h35
